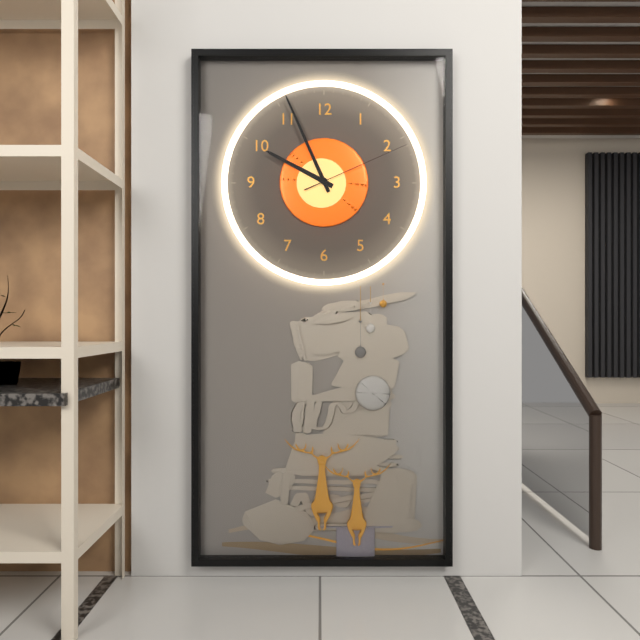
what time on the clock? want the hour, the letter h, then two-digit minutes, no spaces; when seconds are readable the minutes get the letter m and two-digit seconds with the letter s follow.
9h56m11s
